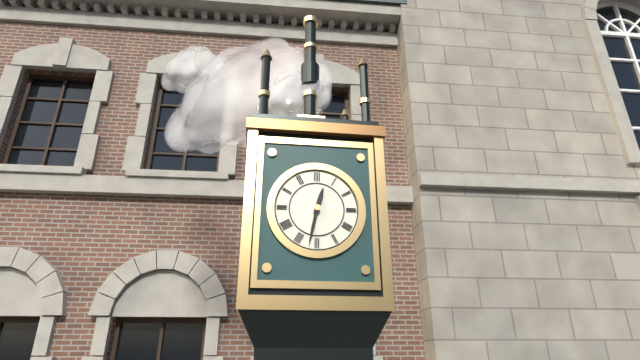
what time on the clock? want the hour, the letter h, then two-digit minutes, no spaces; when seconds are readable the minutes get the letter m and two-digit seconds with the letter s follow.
12h32
